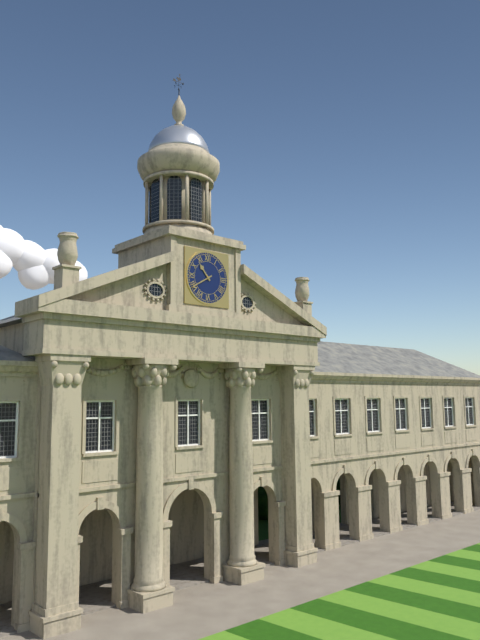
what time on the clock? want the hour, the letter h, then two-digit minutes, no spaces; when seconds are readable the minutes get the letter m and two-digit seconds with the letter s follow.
10h40
